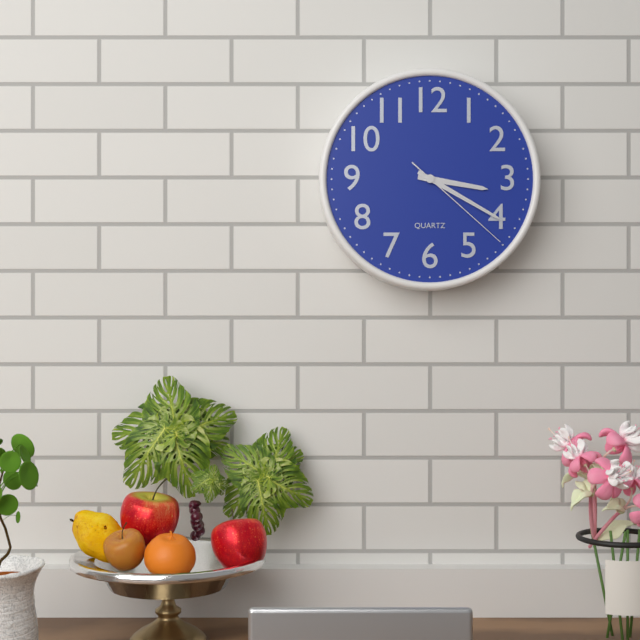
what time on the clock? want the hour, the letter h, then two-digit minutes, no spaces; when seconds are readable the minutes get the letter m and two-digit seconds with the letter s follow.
3h20m22s
